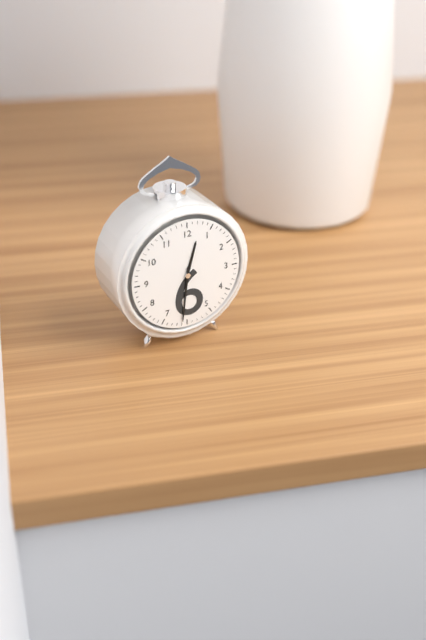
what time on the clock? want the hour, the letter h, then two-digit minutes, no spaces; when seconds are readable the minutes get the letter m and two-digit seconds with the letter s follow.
12h31
